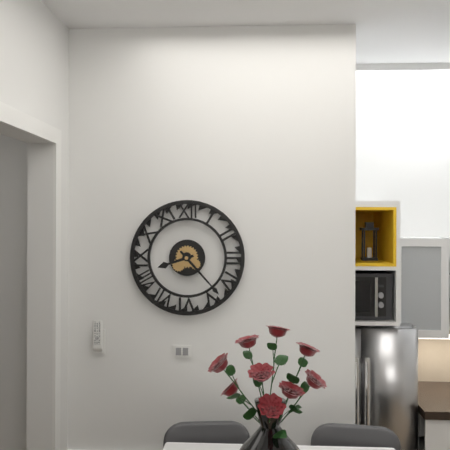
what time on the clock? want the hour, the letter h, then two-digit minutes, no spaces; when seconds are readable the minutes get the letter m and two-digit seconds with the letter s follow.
8h23
